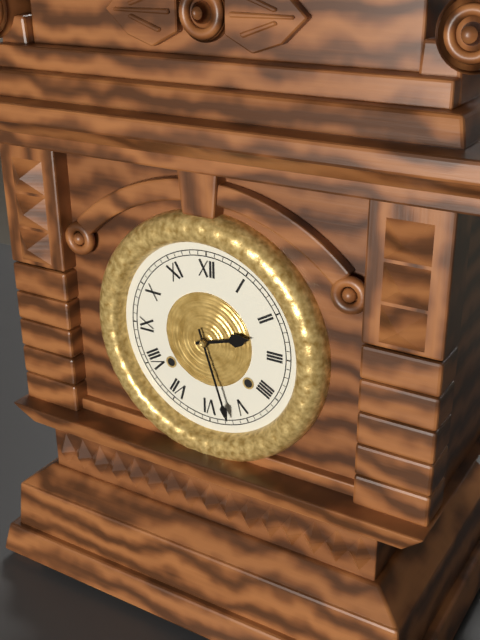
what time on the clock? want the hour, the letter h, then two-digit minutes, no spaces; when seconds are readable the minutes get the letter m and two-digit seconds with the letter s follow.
2h27
